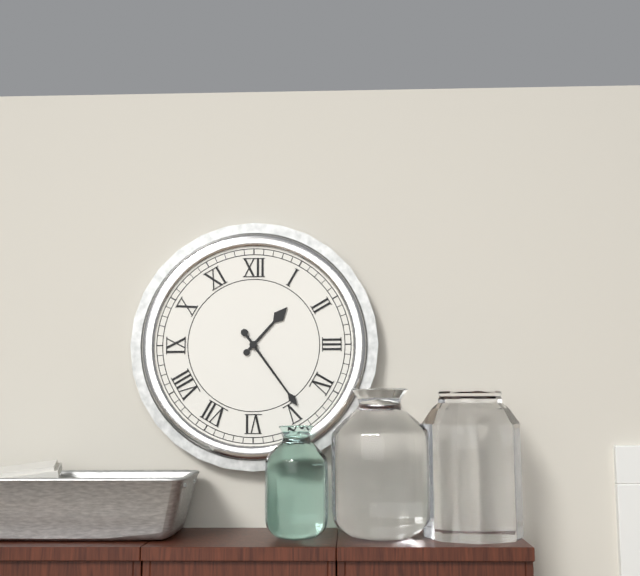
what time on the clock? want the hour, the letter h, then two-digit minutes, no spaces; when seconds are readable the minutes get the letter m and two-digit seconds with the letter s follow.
1h24
